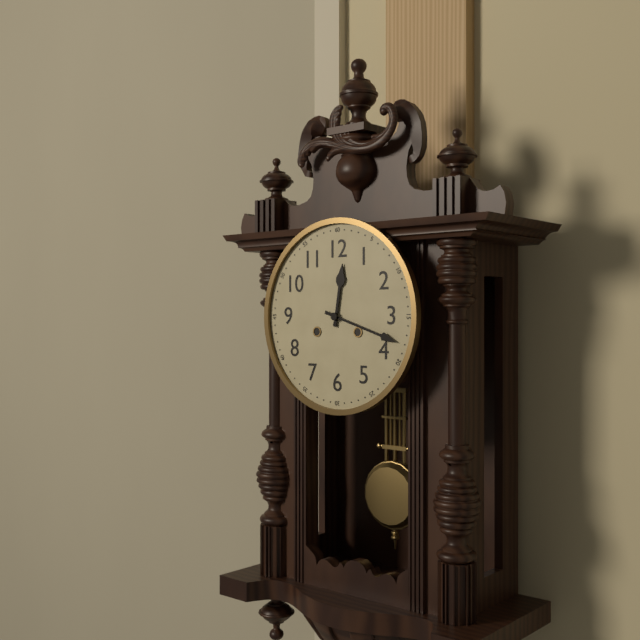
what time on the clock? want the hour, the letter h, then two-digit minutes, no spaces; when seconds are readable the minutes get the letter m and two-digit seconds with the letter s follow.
12h18
